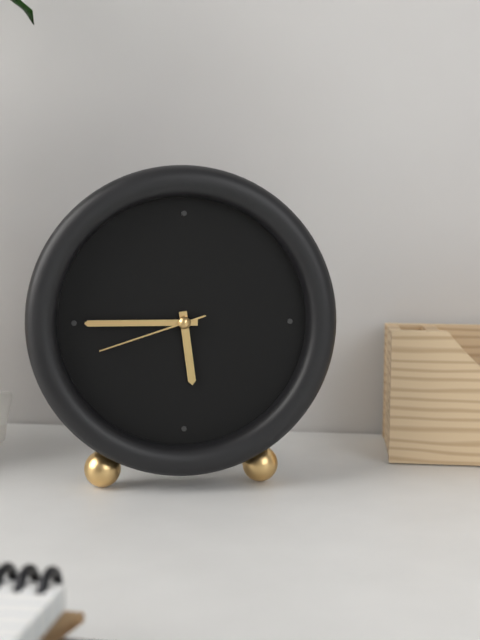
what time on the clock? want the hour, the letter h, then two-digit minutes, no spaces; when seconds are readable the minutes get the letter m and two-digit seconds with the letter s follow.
5h45m42s
